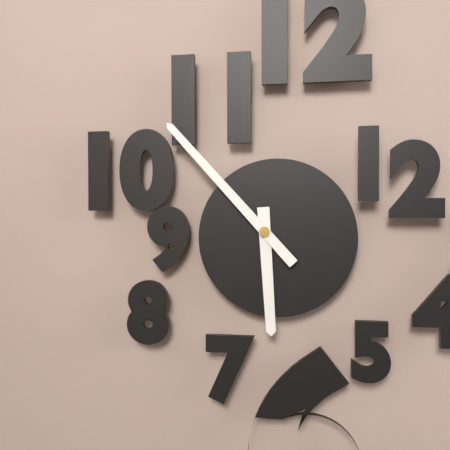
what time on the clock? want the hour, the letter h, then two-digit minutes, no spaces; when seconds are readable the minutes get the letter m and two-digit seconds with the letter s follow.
5h53
